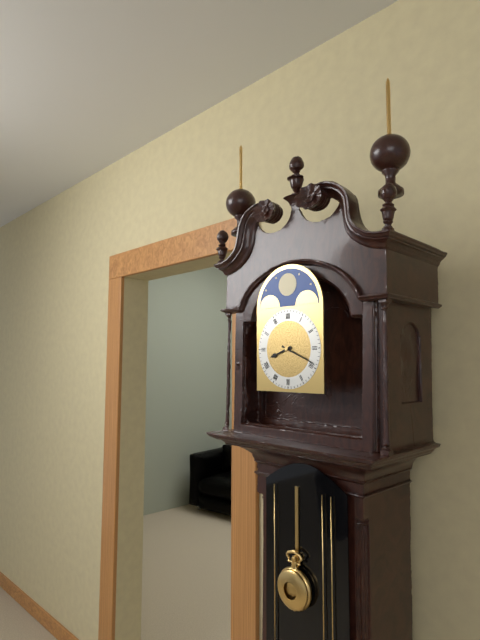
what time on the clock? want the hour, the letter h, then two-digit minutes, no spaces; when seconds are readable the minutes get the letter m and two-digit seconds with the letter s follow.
8h19
